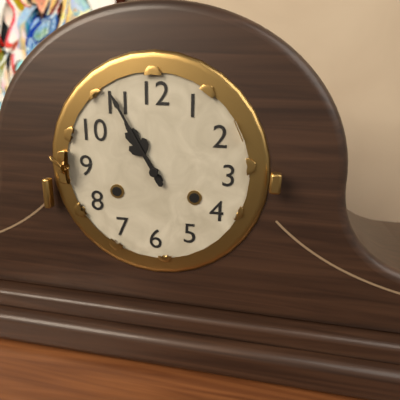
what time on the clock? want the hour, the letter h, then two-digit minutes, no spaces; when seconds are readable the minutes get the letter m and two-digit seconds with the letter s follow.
10h55
